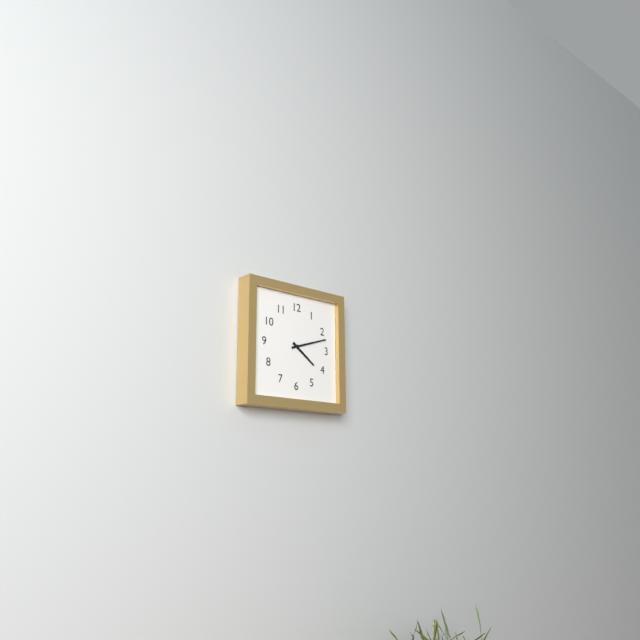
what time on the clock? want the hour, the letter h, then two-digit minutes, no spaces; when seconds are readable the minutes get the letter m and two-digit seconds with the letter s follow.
4h12
